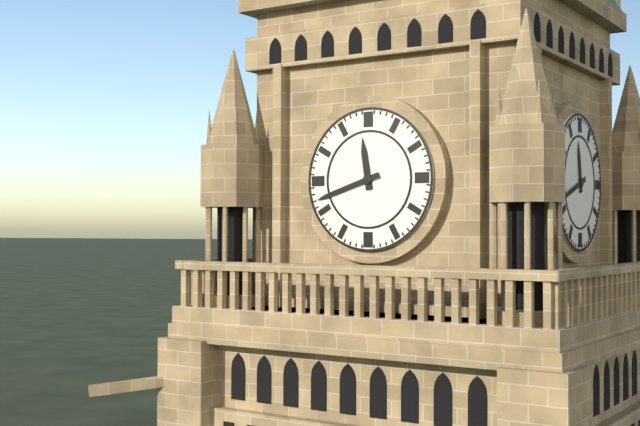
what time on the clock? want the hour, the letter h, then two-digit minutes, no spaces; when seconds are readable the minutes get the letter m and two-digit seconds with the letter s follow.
11h42
